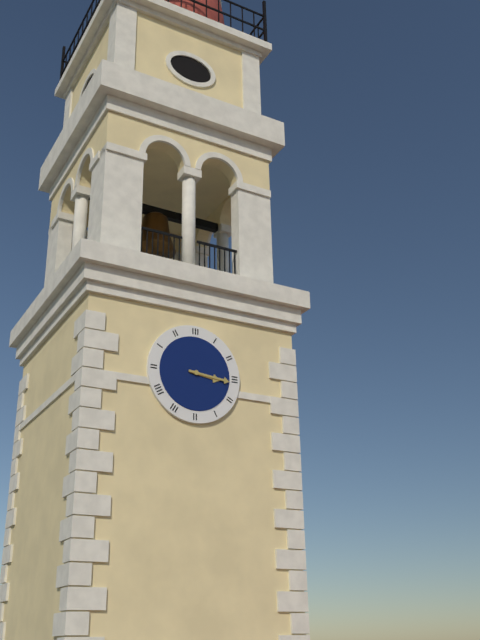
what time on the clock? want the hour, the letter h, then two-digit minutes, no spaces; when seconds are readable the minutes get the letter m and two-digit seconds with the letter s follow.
3h16
